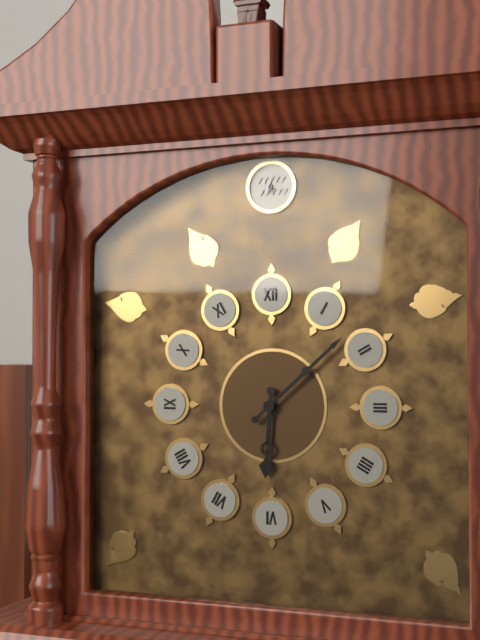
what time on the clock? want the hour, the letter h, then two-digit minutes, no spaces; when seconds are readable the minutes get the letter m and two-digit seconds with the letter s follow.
6h08
